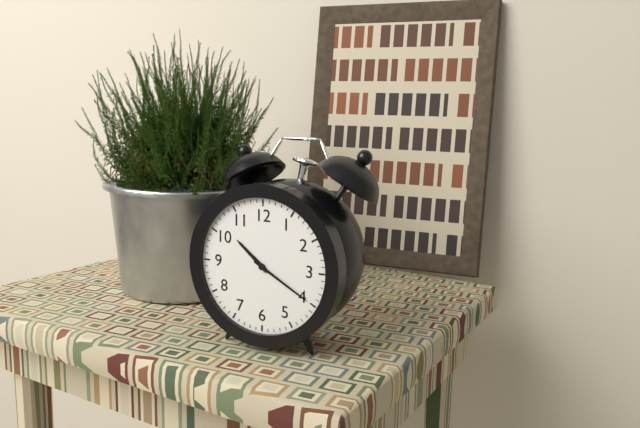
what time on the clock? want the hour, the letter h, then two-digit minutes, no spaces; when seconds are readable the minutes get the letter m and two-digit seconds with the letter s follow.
10h20
